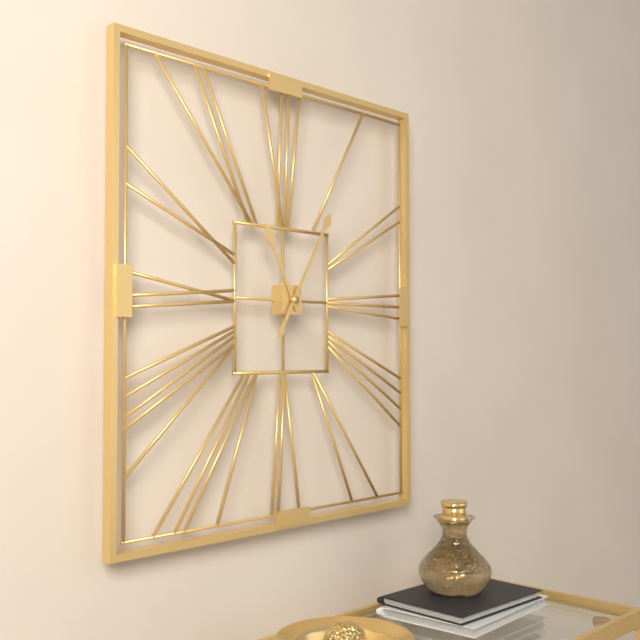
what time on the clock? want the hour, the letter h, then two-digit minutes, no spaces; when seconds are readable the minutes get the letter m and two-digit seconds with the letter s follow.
11h05
